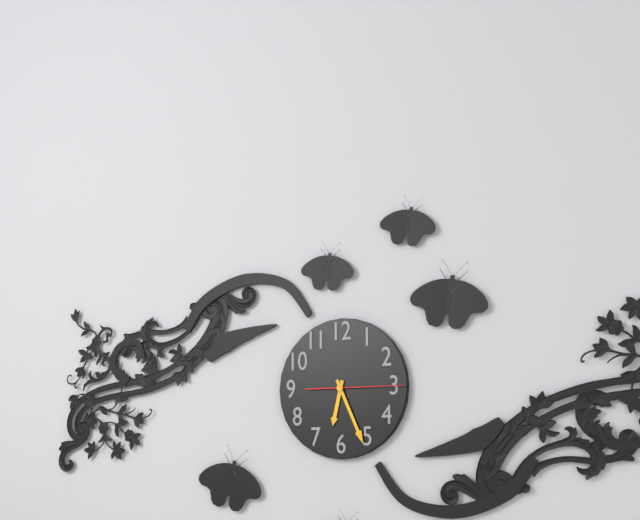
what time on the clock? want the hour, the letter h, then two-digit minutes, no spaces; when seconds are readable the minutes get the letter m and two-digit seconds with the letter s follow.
6h26m15s
